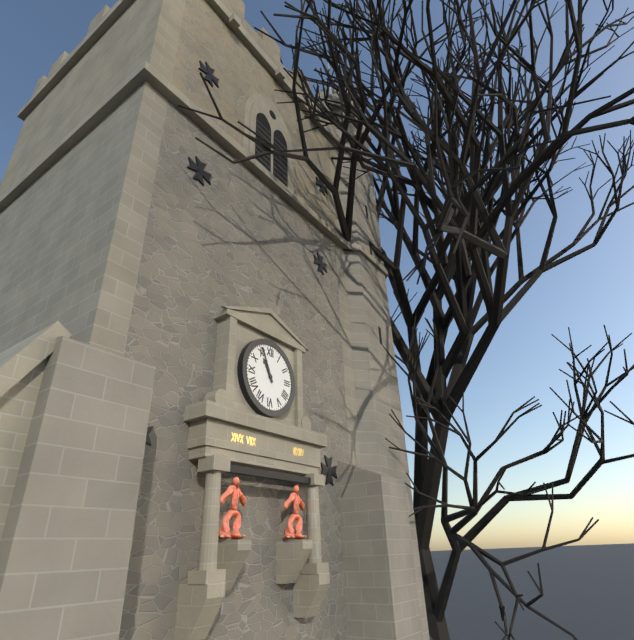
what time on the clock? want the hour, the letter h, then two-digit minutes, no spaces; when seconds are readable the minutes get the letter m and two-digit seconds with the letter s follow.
10h56
